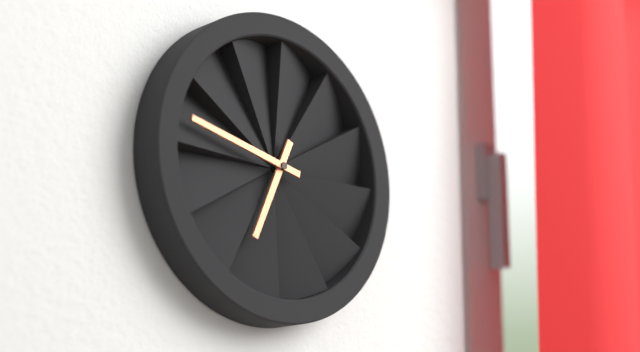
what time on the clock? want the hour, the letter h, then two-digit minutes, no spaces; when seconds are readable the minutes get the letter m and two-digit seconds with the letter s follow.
6h47
